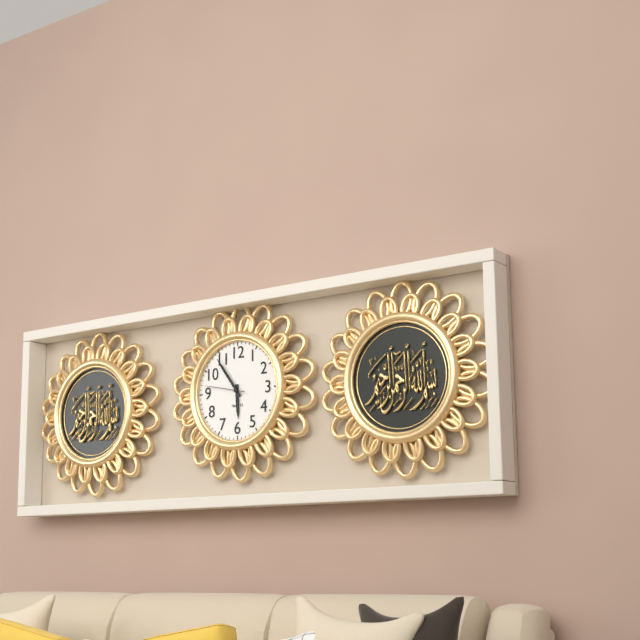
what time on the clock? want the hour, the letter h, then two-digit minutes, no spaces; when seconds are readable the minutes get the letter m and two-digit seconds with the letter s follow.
5h54
